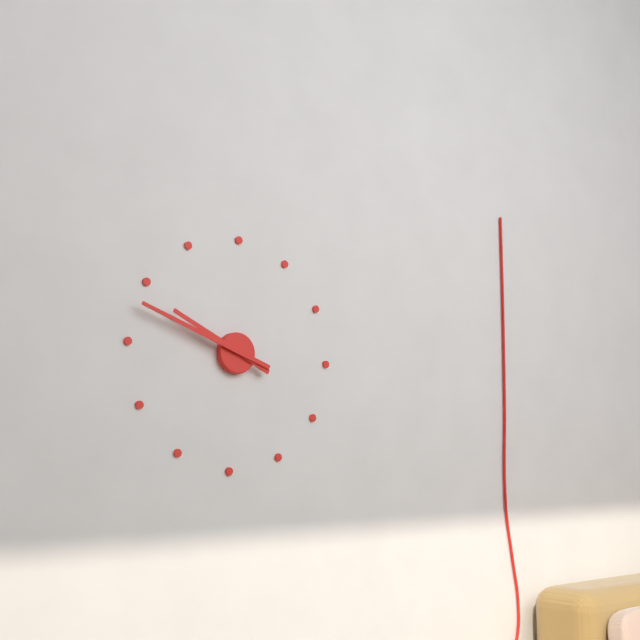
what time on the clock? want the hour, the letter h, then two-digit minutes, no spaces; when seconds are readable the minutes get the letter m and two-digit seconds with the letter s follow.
9h48
